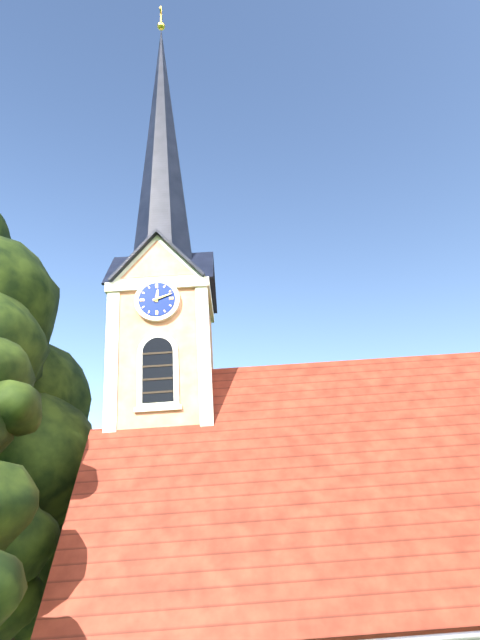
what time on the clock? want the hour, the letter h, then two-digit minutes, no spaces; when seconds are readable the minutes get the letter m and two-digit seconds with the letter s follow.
12h12
